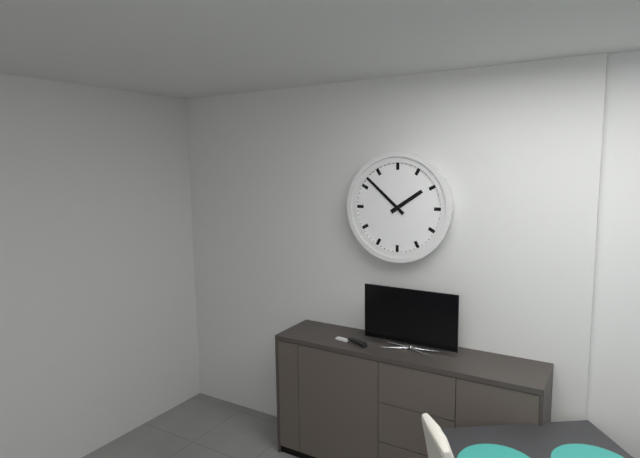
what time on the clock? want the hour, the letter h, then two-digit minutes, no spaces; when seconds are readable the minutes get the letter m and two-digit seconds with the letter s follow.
1h52
